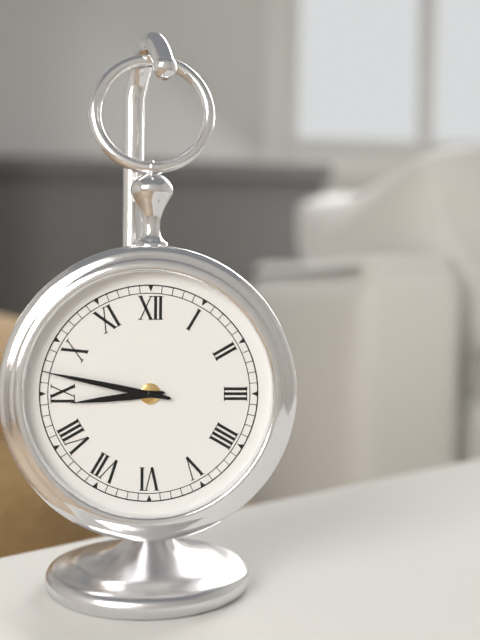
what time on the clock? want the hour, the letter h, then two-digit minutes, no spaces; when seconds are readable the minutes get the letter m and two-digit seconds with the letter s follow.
8h47
